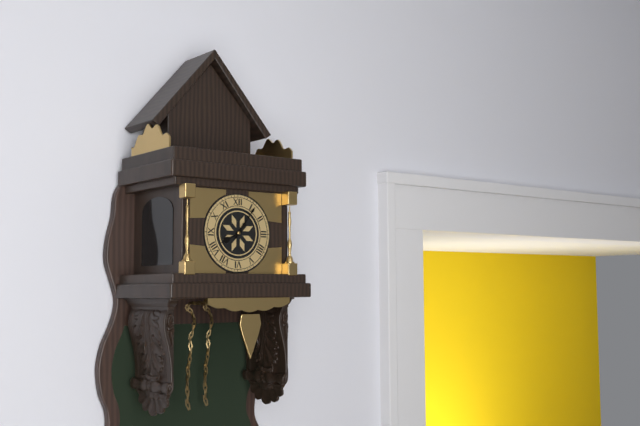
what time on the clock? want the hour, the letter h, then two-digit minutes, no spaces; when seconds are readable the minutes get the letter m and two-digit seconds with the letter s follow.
8h06
